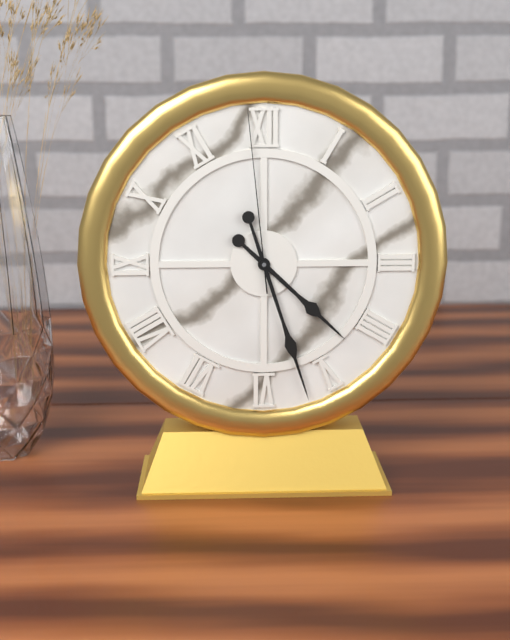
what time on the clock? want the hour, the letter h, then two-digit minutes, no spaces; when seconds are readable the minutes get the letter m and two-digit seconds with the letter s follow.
4h27m59s
